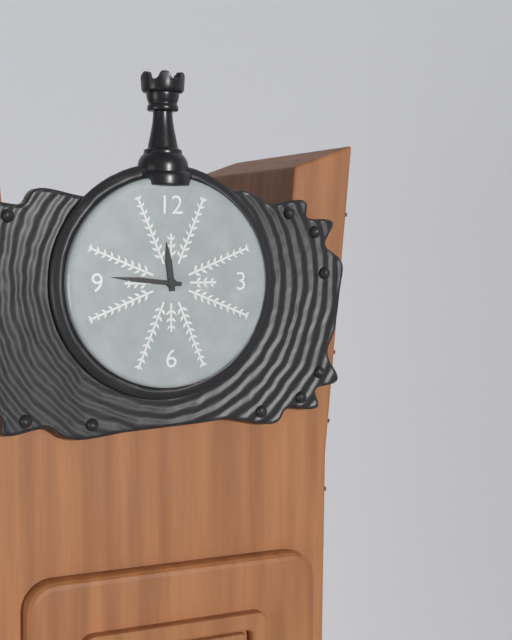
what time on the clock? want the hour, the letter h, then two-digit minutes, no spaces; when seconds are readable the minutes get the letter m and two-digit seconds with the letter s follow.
11h46
